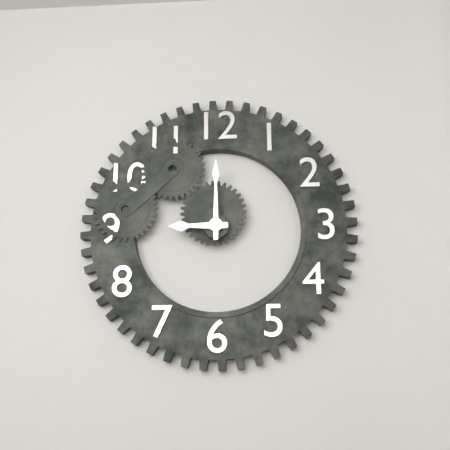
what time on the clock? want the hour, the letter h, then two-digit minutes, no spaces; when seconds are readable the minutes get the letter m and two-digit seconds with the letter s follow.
9h00
